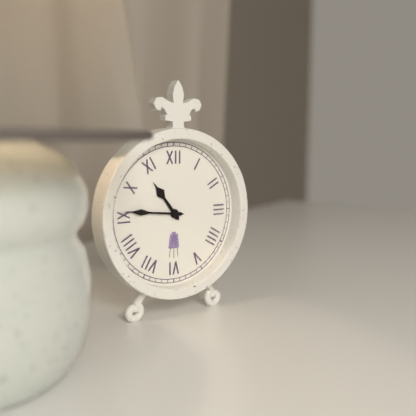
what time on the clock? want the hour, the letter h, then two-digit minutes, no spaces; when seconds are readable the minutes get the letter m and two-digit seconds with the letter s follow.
10h46
